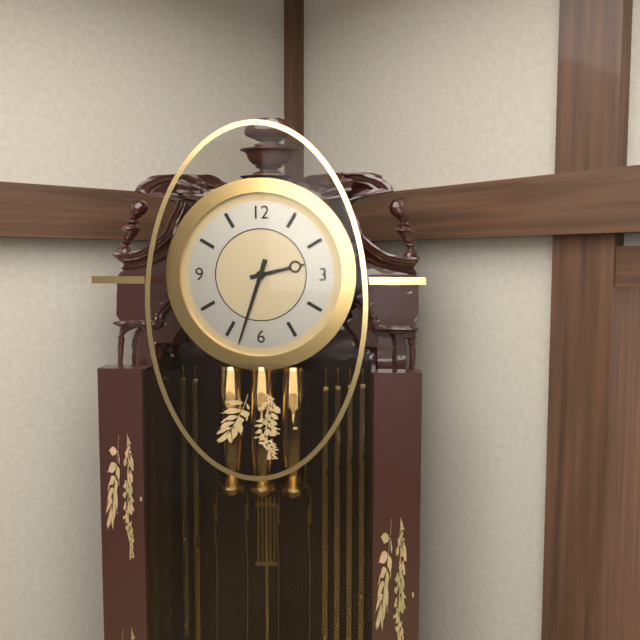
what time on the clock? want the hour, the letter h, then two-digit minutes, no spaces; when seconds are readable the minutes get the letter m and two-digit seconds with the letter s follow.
2h33
